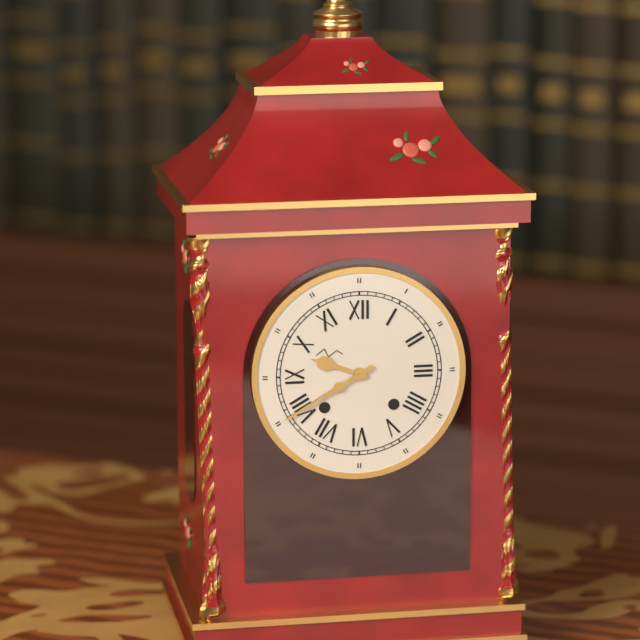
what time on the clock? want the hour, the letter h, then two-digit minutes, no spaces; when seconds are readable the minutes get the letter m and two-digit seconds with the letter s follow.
9h40
